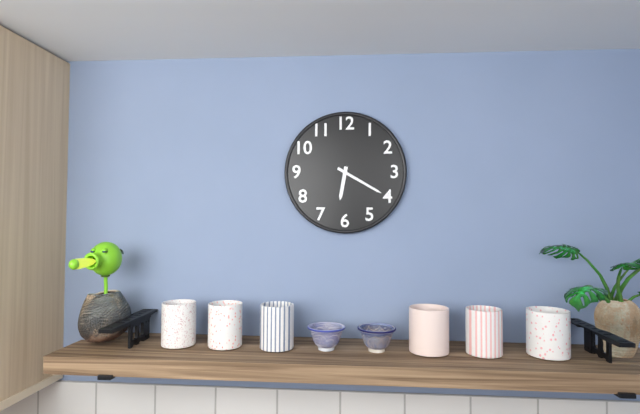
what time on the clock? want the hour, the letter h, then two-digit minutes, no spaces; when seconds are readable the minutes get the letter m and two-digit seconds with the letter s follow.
6h20
